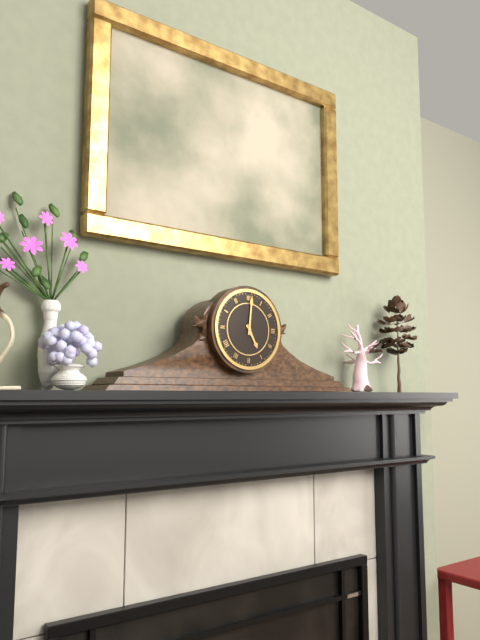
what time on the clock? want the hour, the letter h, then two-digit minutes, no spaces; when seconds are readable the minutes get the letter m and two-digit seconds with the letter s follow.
5h01
